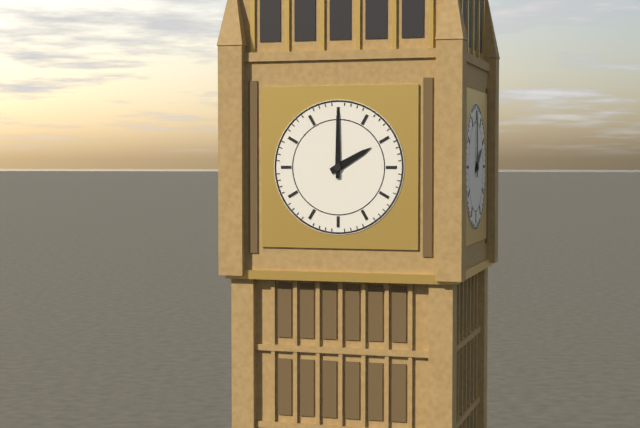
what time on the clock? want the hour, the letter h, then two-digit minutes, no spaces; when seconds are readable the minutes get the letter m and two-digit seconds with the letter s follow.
2h00
